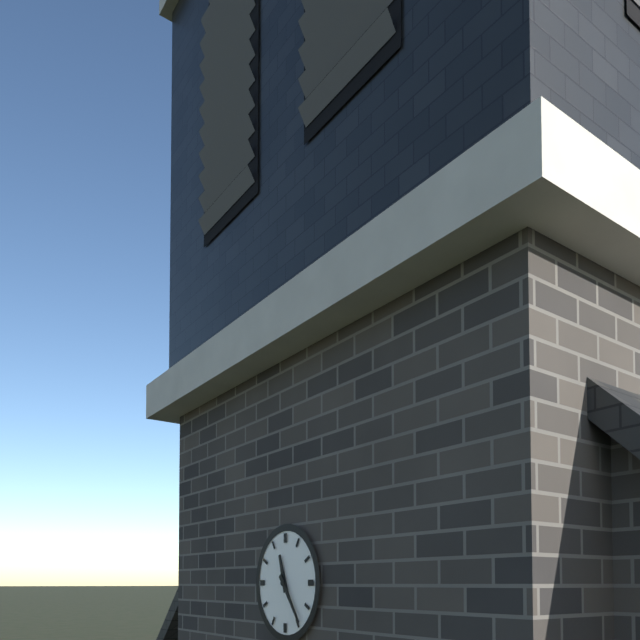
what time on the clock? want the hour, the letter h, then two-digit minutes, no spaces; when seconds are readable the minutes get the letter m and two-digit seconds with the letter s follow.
11h24
